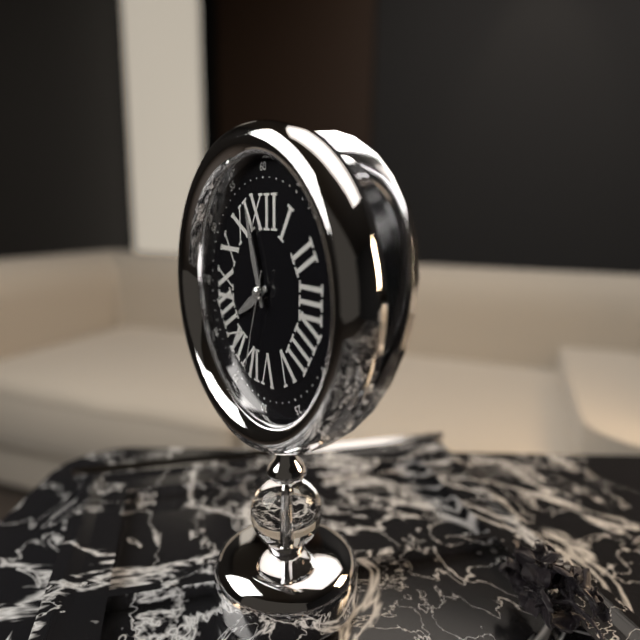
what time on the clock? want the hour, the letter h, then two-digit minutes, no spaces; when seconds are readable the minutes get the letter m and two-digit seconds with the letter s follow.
7h57m33s
